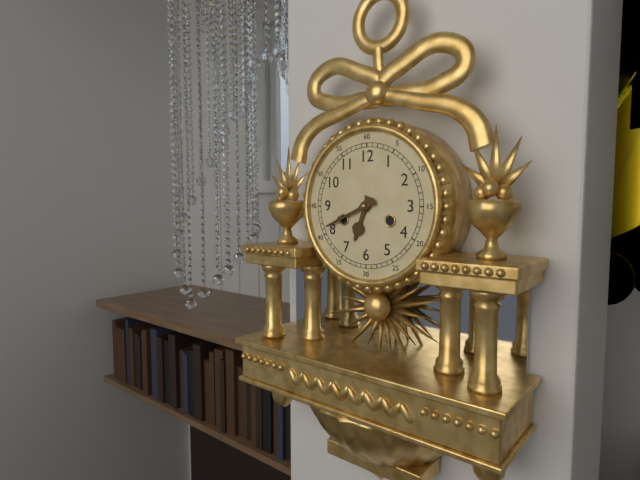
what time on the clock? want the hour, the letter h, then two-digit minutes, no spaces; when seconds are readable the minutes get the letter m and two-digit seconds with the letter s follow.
6h41
